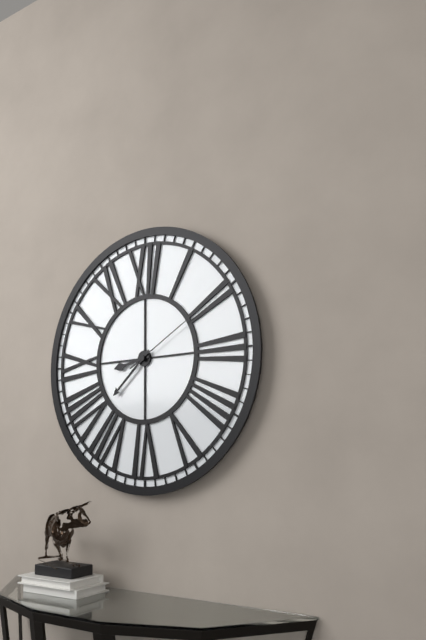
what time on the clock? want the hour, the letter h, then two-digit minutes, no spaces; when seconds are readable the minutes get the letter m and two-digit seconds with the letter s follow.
8h38m10s
